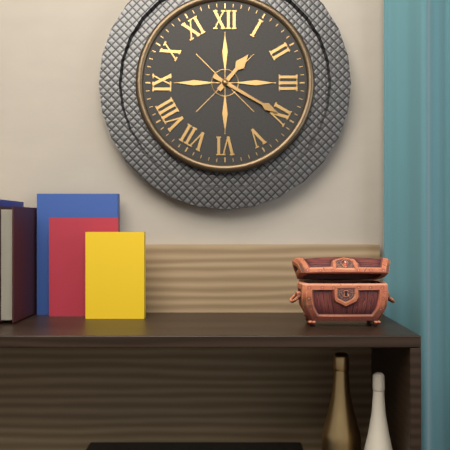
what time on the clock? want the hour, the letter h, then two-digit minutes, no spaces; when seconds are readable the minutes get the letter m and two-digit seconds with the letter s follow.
1h20
